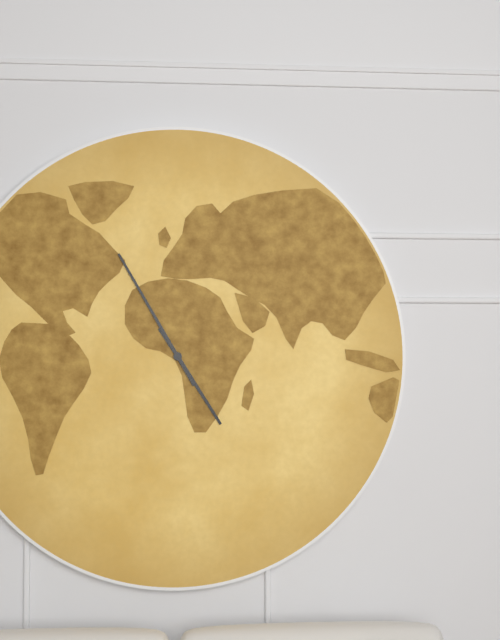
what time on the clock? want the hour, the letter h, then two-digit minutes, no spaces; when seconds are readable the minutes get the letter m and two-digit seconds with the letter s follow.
4h55
